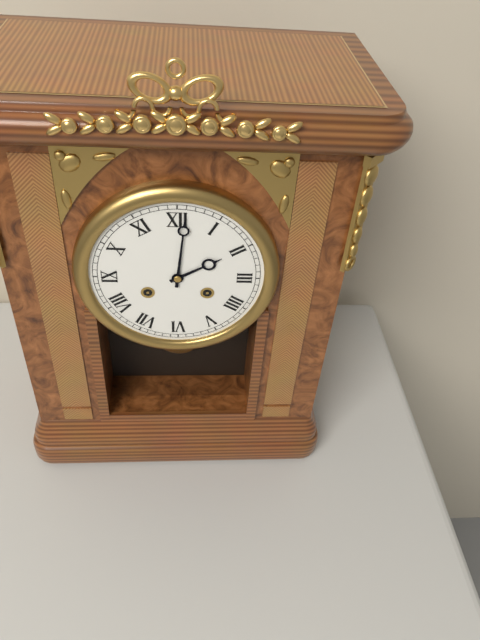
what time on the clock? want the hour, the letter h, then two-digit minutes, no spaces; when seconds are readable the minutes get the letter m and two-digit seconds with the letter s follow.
2h01
